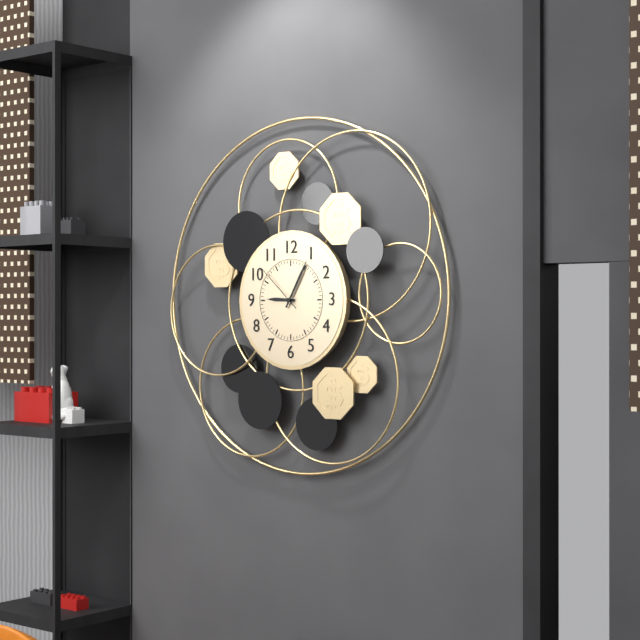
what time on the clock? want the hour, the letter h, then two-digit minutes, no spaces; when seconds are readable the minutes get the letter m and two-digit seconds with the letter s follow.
9h05m52s
